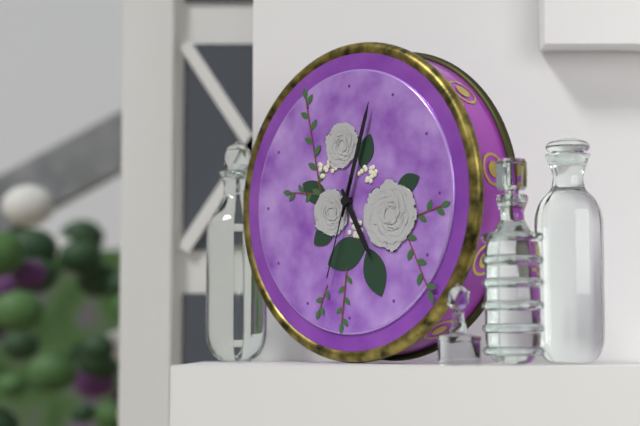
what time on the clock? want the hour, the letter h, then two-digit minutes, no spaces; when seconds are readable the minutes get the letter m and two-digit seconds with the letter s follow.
5h03m33s
